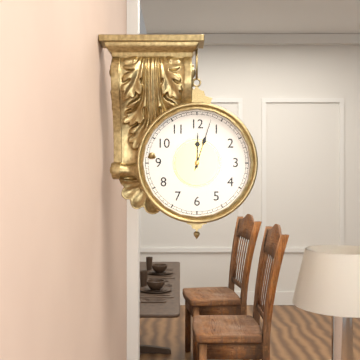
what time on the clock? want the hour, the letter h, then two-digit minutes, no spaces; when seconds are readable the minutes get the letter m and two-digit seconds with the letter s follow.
12h03
